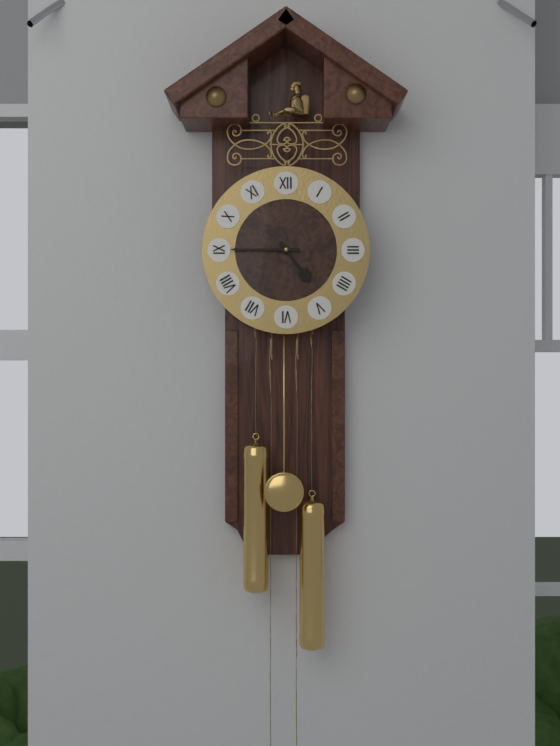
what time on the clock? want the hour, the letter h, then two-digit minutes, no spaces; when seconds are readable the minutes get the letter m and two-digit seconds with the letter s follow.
4h45
